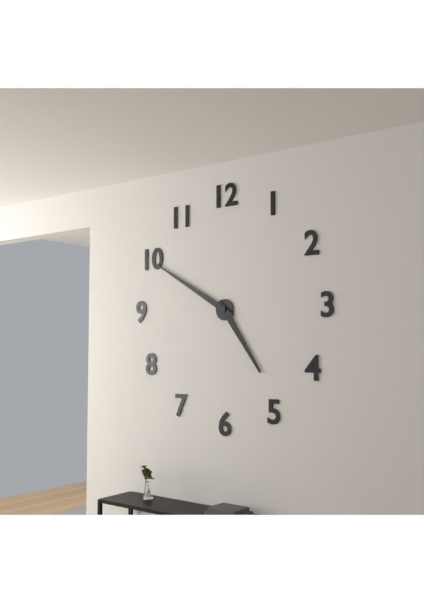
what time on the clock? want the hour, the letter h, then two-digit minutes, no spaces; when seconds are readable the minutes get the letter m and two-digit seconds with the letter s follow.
4h50
